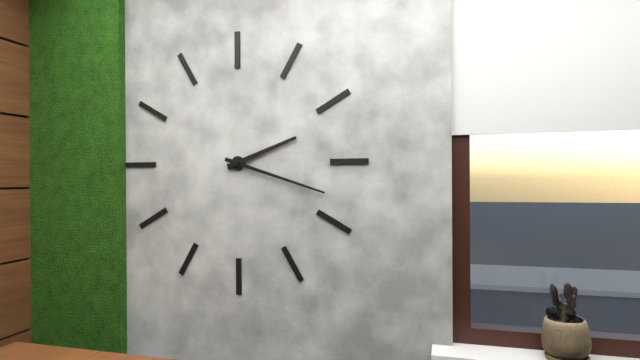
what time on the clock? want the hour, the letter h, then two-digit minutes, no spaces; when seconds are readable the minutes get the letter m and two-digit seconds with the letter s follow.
2h18
